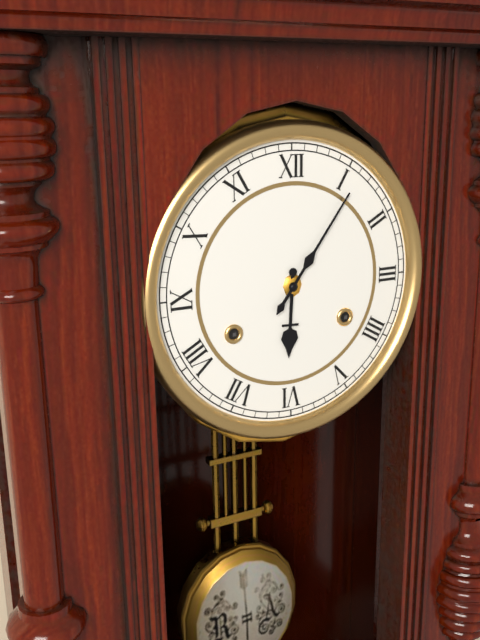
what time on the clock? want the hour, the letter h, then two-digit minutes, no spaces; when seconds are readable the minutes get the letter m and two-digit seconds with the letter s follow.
6h06
